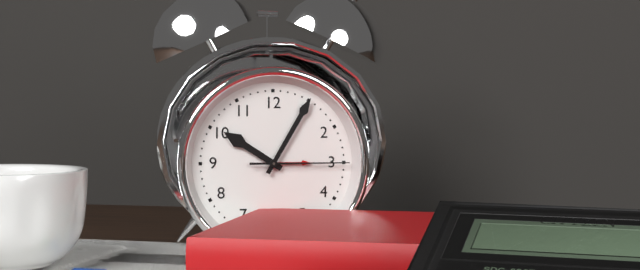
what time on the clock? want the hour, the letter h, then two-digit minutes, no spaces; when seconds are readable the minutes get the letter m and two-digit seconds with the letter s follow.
10h05m15s
